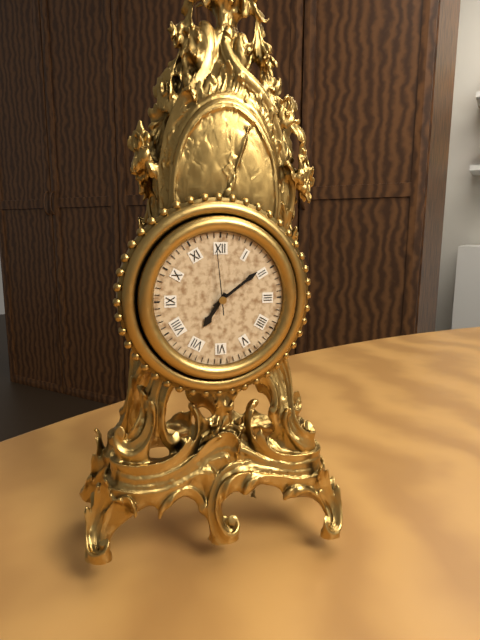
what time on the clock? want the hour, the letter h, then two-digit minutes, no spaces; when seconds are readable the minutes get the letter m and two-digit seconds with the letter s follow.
7h09m59s
